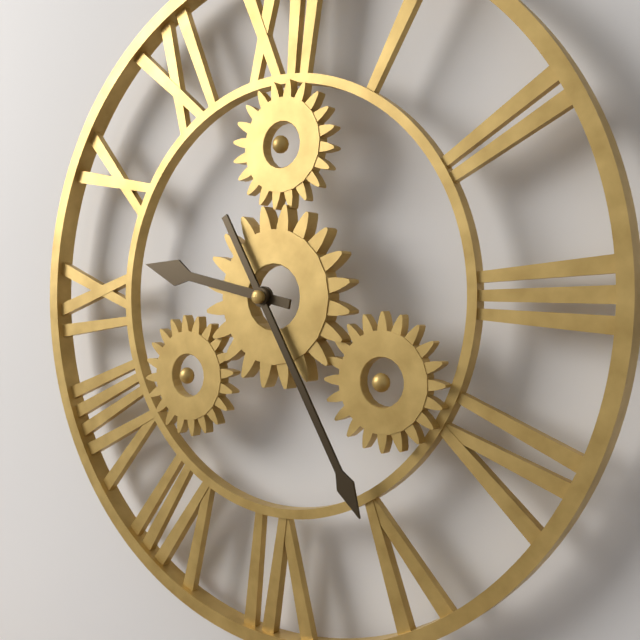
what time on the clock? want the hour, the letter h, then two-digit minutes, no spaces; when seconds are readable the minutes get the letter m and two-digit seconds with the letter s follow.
9h25
